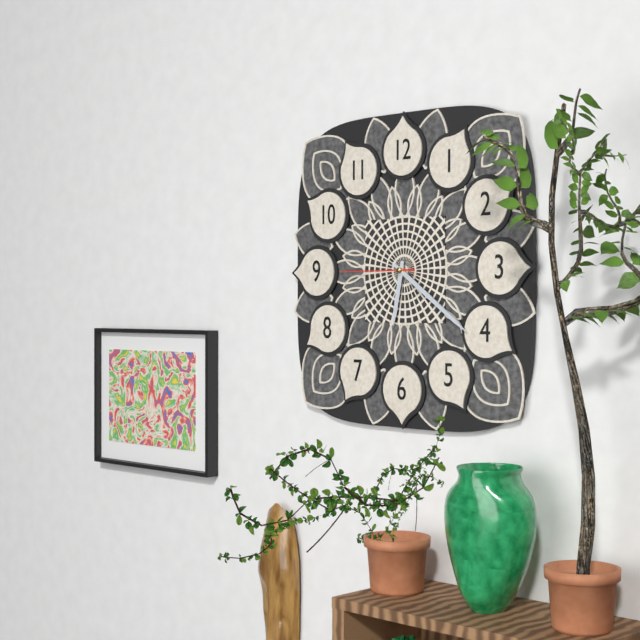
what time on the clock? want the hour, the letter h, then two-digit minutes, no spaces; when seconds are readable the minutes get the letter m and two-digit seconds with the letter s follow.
6h21m45s
